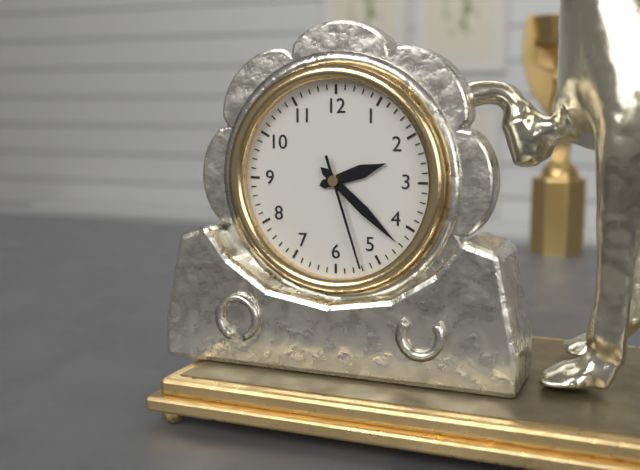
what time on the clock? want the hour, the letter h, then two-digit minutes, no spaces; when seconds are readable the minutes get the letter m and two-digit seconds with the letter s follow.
2h22m27s
